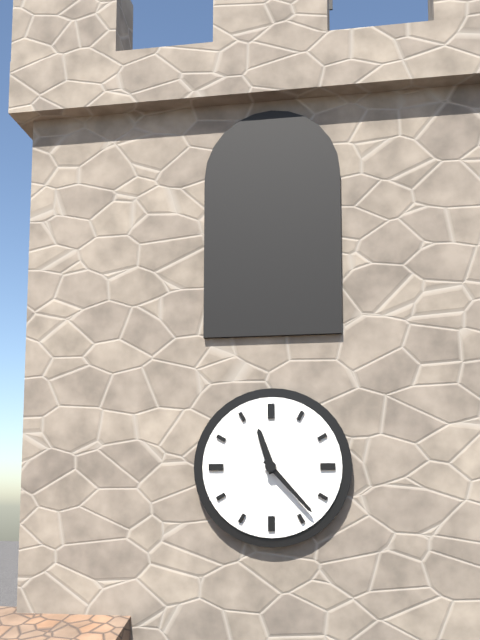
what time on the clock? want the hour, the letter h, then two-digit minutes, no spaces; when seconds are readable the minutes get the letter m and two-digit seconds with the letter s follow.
11h23
